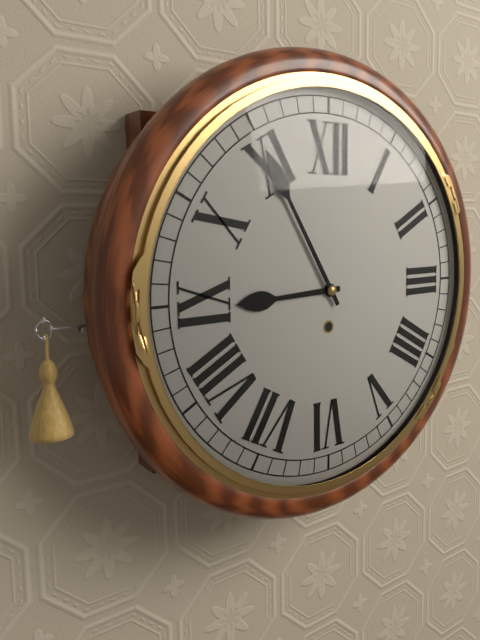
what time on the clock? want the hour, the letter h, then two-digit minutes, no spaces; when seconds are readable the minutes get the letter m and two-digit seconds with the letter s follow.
8h55
